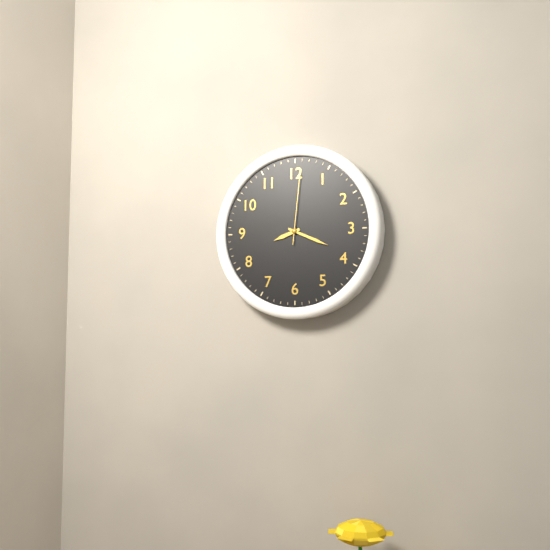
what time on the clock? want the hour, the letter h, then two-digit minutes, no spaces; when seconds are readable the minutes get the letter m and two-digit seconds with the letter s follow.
8h19m01s
